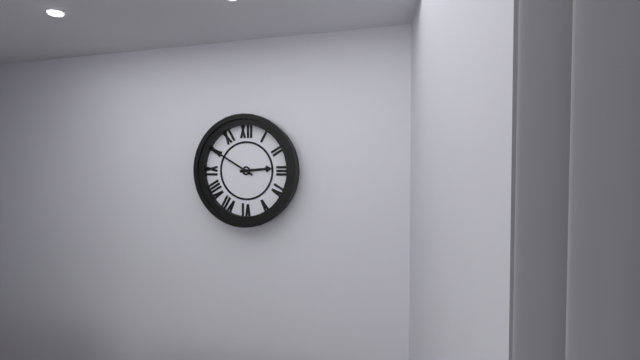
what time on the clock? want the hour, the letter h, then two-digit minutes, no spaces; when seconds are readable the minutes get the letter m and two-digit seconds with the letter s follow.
2h50
